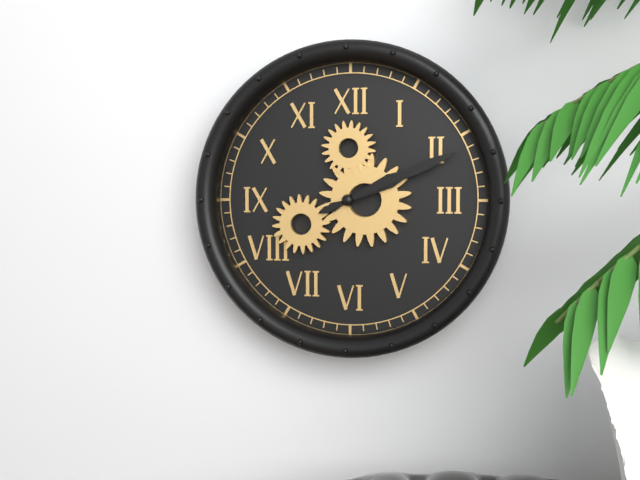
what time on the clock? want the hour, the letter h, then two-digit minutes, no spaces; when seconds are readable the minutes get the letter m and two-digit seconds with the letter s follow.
2h11
